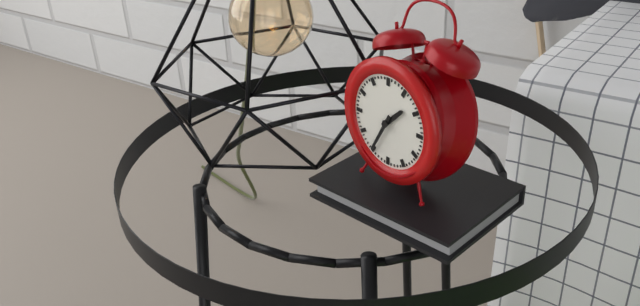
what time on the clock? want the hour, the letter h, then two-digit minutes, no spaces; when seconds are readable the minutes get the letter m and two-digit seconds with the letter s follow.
1h35
